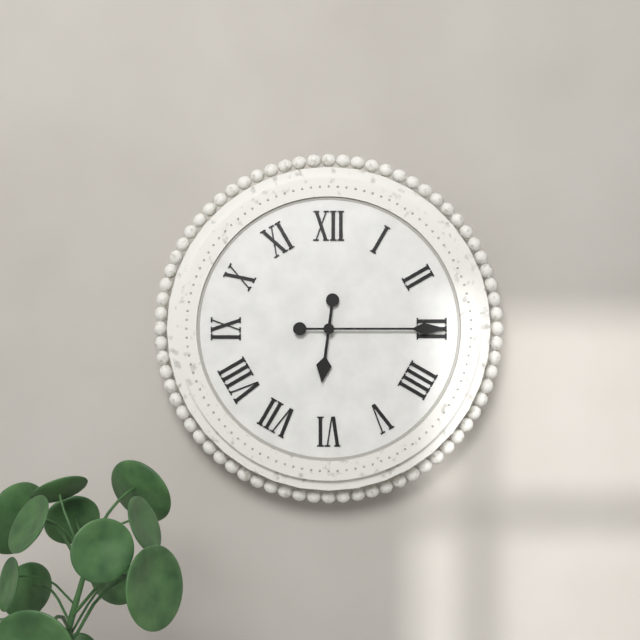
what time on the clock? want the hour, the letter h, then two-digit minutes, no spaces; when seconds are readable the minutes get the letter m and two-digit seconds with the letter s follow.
6h15
